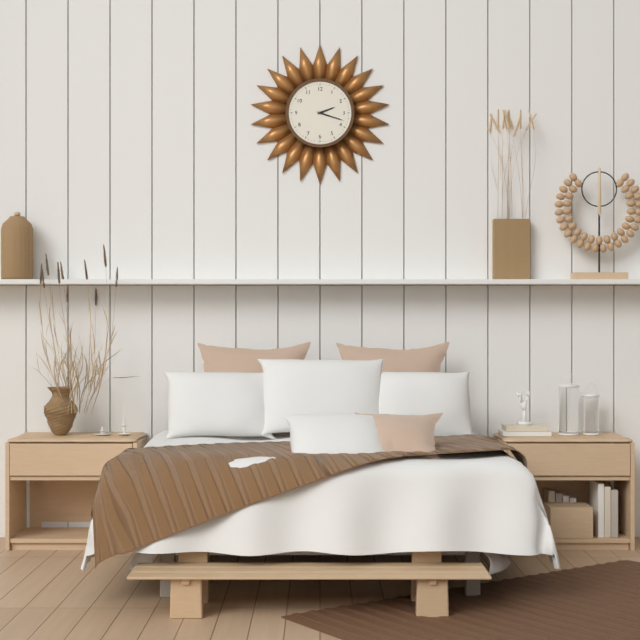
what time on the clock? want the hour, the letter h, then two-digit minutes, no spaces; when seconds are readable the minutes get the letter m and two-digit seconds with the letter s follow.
2h18
